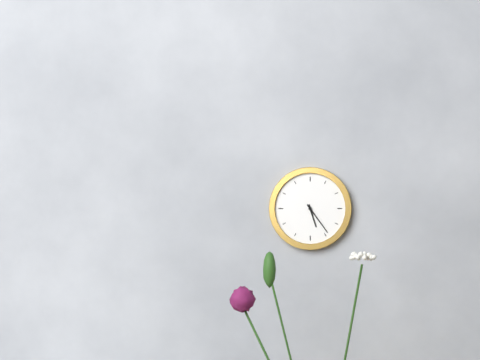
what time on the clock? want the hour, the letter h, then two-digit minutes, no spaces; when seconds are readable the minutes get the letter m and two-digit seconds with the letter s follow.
5h24
